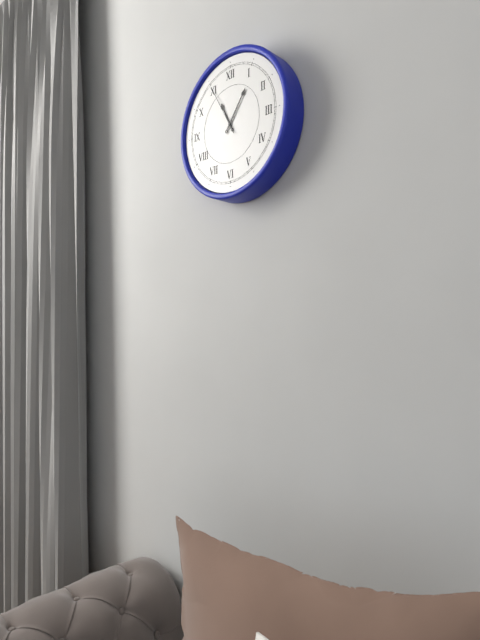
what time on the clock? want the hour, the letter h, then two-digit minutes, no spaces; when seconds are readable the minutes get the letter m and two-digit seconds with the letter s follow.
11h06
